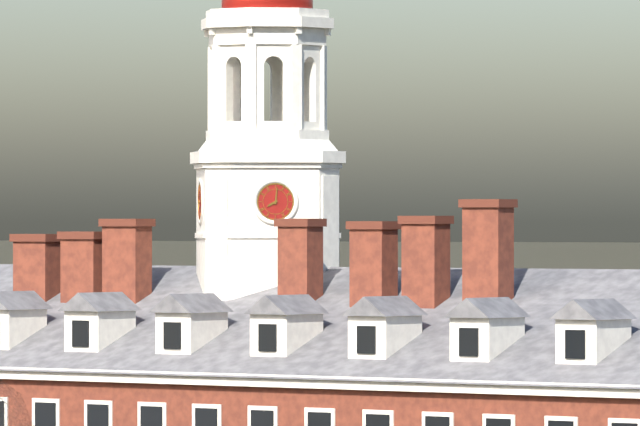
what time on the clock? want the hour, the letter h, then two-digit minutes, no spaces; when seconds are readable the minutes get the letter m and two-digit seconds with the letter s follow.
8h01
